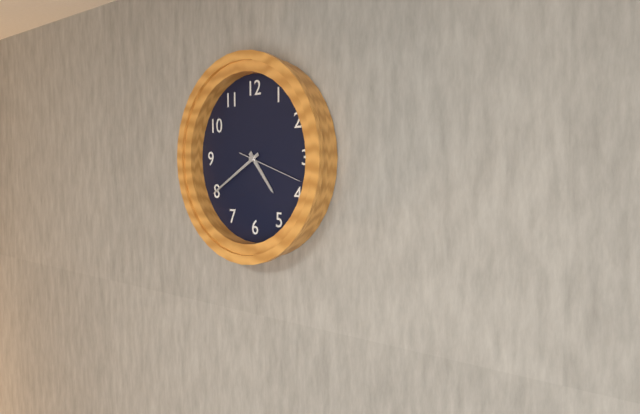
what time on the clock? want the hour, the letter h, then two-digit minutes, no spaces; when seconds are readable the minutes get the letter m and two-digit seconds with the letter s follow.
4h40m18s
